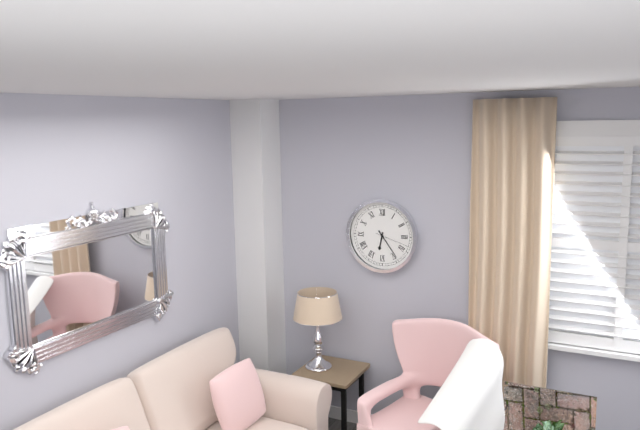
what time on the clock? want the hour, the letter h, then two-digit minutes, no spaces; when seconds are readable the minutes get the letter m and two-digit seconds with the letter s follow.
6h24
